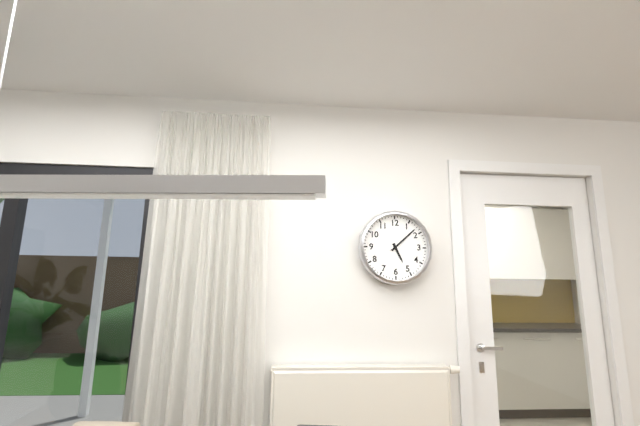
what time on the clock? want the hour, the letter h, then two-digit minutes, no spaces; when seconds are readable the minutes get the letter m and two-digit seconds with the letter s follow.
5h08
